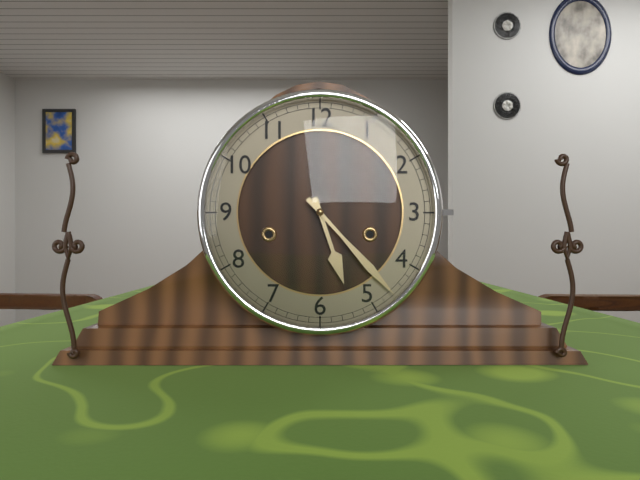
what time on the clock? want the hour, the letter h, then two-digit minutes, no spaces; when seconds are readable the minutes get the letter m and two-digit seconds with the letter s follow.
5h23
